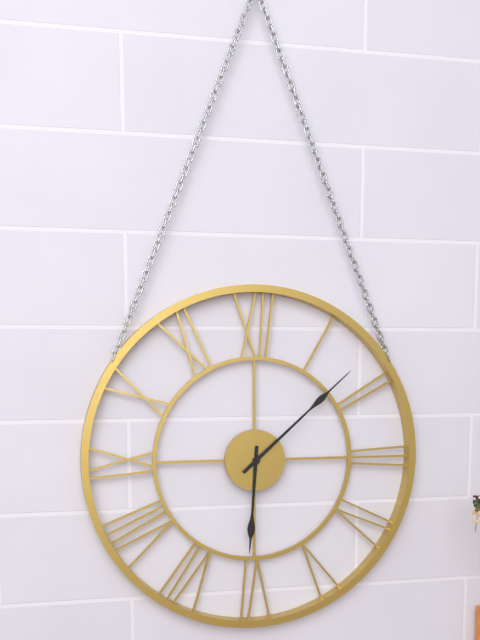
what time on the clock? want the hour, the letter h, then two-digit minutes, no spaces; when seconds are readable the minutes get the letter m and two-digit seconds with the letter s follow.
6h08
